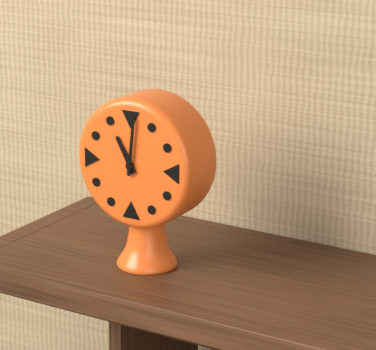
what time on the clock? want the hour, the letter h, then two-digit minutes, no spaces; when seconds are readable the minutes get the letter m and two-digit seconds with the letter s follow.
11h01
